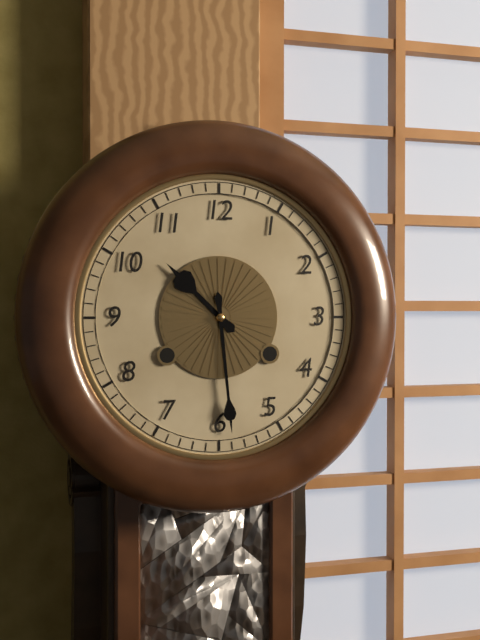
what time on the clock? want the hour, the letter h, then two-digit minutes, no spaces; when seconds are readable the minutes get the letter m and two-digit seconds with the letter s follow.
10h29
